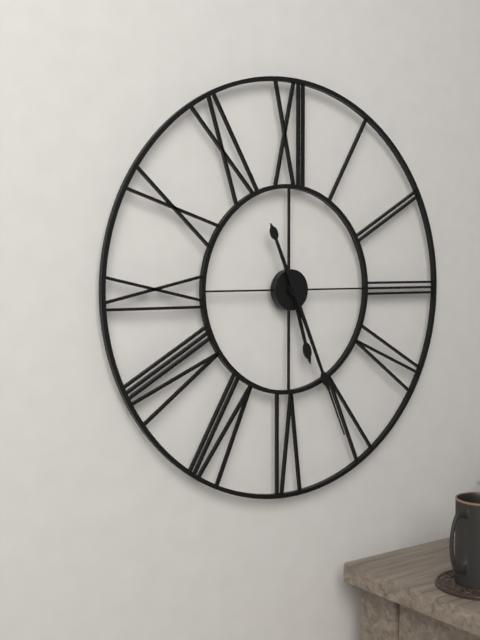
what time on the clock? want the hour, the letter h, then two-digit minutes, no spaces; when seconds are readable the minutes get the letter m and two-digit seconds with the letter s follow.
5h26
